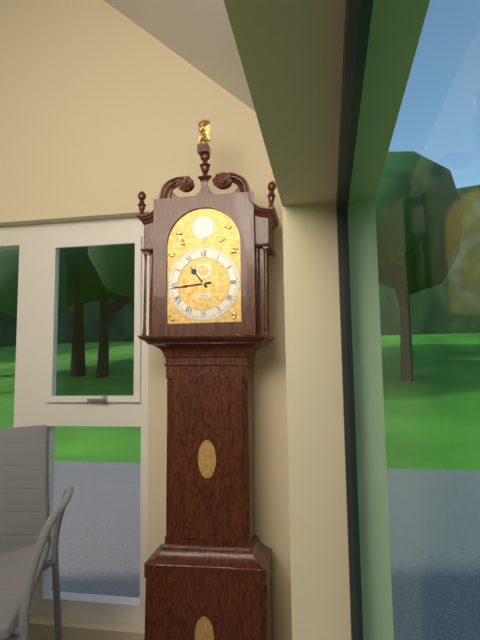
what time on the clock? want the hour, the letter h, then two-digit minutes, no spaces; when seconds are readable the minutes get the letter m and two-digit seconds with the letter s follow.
10h44
